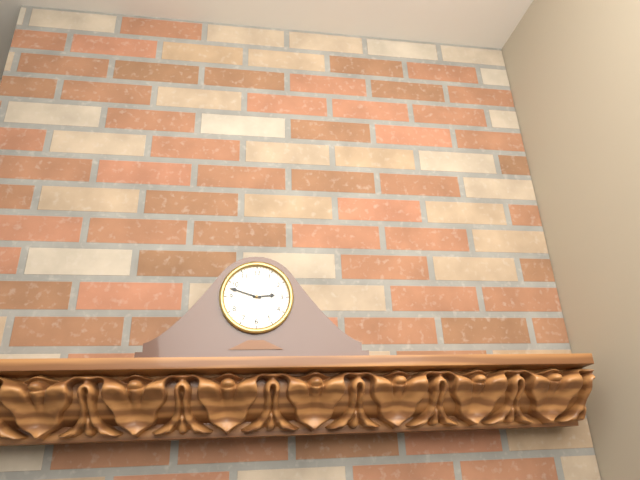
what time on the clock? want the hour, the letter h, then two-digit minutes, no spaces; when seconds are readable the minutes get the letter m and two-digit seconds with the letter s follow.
2h48
